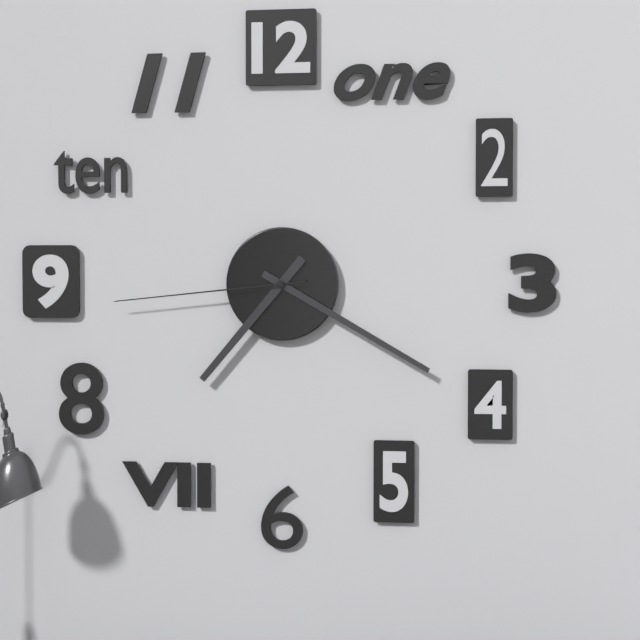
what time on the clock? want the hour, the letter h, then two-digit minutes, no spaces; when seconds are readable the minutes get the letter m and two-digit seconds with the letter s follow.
7h20m44s
